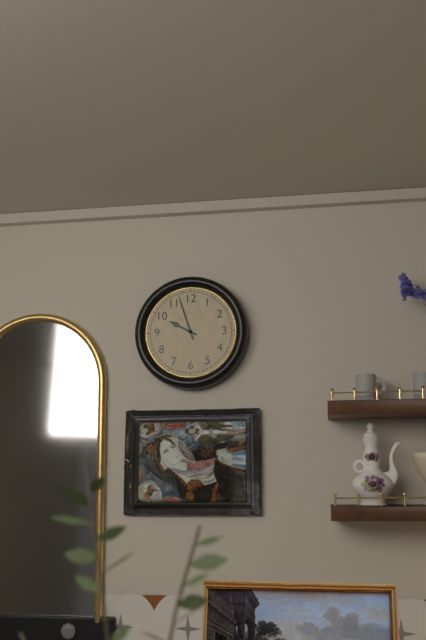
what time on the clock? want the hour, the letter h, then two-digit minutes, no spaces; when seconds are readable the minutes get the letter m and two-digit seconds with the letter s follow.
9h57
